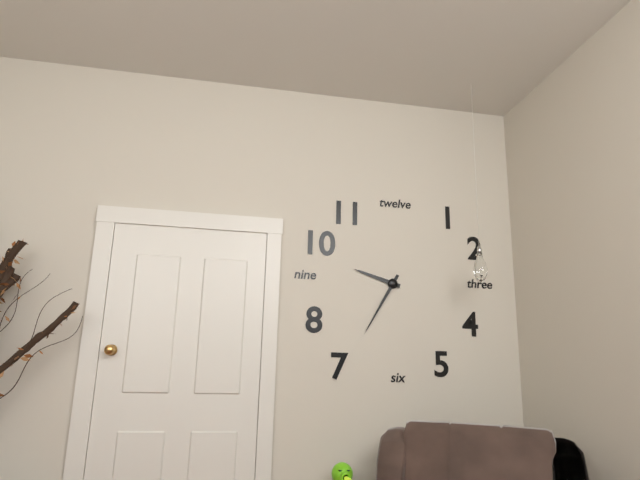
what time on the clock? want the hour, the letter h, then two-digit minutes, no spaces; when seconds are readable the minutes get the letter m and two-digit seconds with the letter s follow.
9h35
